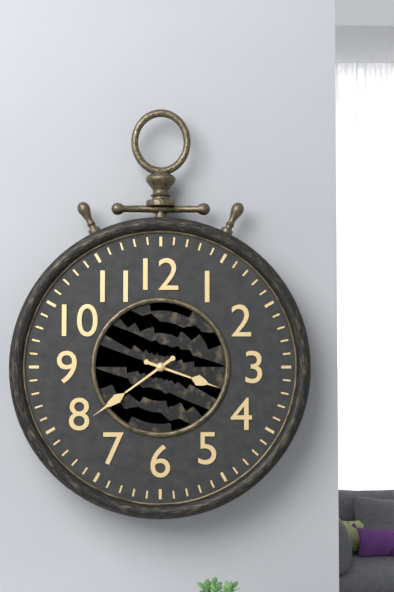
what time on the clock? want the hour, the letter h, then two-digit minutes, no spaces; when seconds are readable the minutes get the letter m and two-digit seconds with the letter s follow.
3h39
